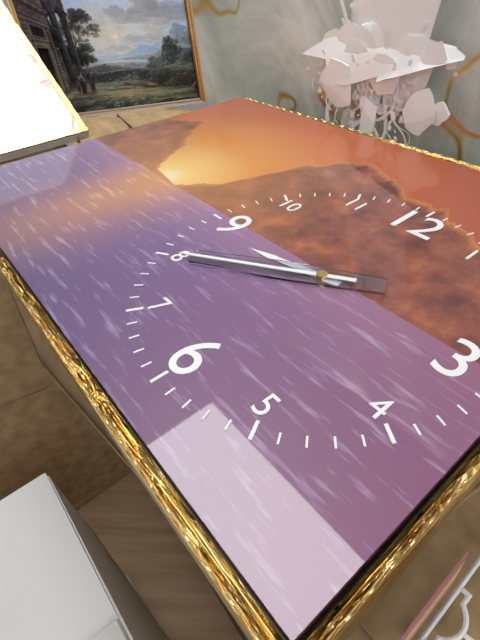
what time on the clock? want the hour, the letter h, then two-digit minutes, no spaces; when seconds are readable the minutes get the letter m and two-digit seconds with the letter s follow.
8h40
